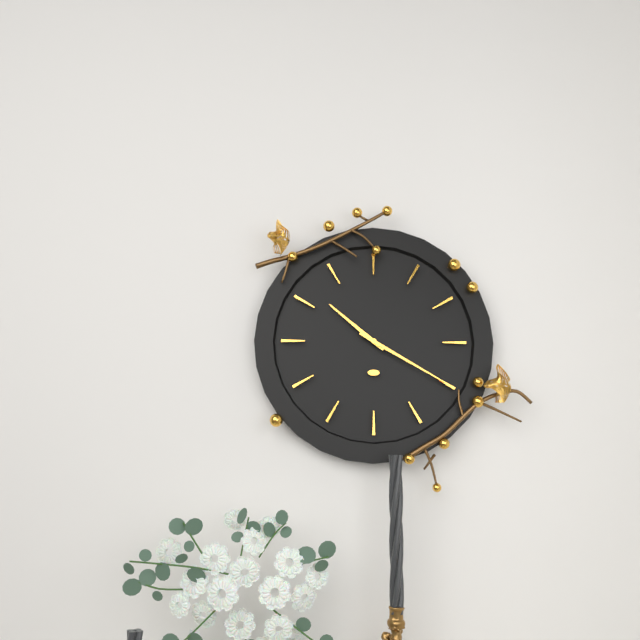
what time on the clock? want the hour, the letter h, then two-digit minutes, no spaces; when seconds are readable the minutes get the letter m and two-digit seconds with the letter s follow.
10h20
